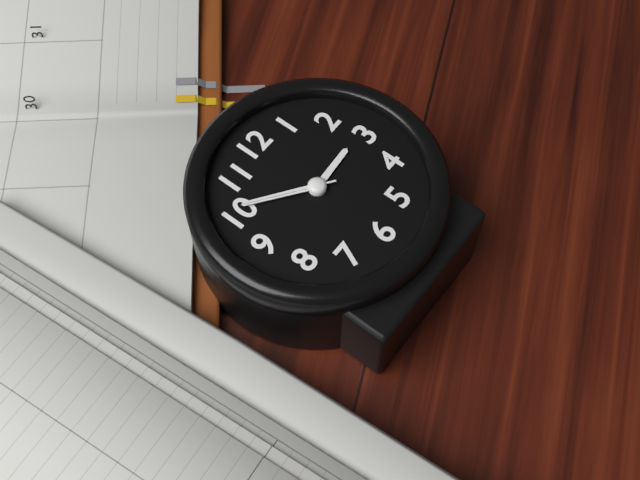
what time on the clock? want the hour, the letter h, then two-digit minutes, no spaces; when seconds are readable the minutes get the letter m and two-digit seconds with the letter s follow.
2h51m51s
